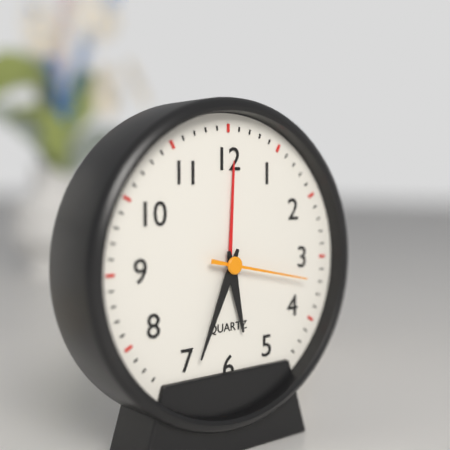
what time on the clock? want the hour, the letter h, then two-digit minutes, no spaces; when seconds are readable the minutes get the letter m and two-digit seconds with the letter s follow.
5h34m17s
